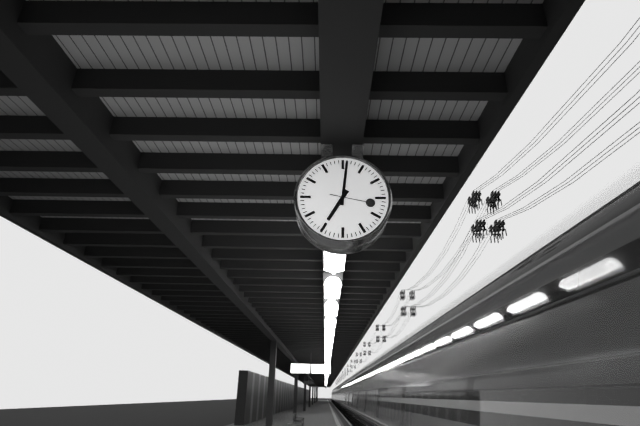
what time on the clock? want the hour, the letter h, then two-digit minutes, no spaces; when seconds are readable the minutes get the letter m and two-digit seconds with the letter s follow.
7h01
